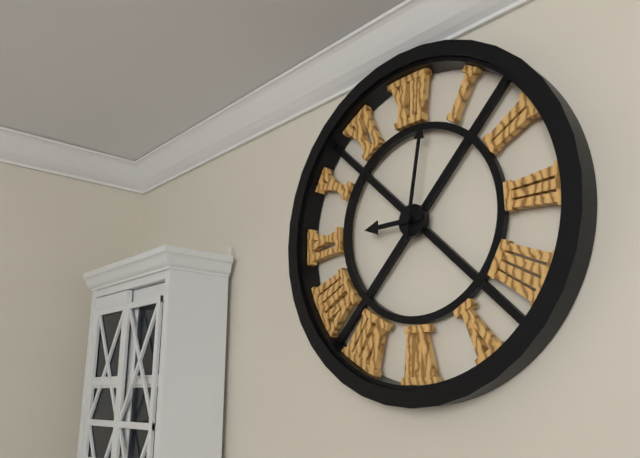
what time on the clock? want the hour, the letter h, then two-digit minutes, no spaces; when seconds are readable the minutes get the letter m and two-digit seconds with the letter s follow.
9h02
